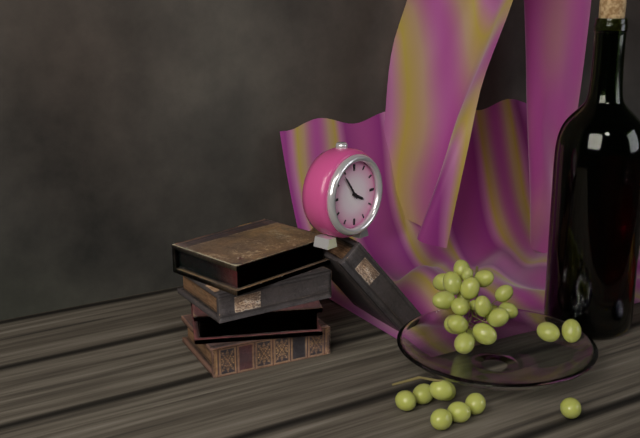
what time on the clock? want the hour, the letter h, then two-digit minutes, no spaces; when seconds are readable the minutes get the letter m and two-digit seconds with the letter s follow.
3h54
